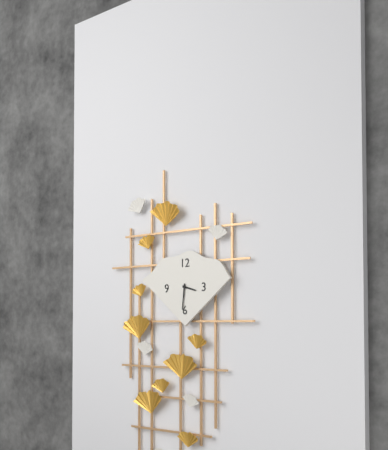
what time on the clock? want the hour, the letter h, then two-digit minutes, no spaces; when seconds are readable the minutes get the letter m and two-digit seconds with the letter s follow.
3h31
